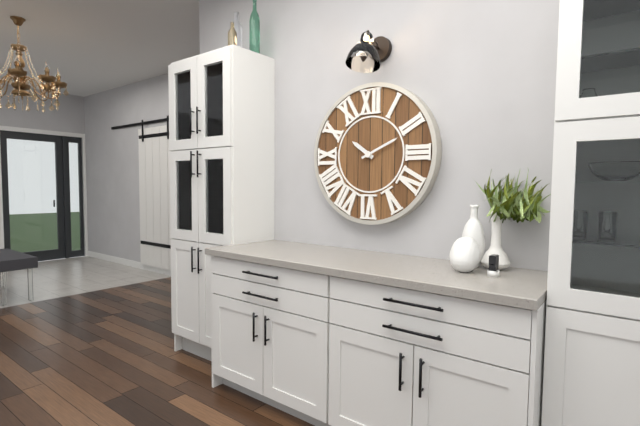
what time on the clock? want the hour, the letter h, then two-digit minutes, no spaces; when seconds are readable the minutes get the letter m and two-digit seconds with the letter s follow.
10h11
